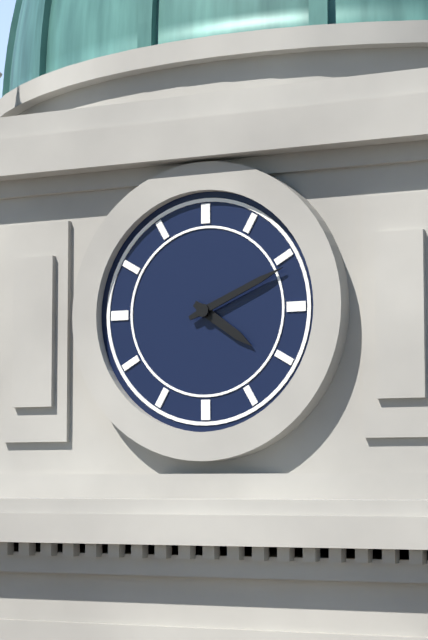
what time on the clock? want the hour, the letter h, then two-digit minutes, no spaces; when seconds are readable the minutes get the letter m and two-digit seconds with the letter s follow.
4h11
